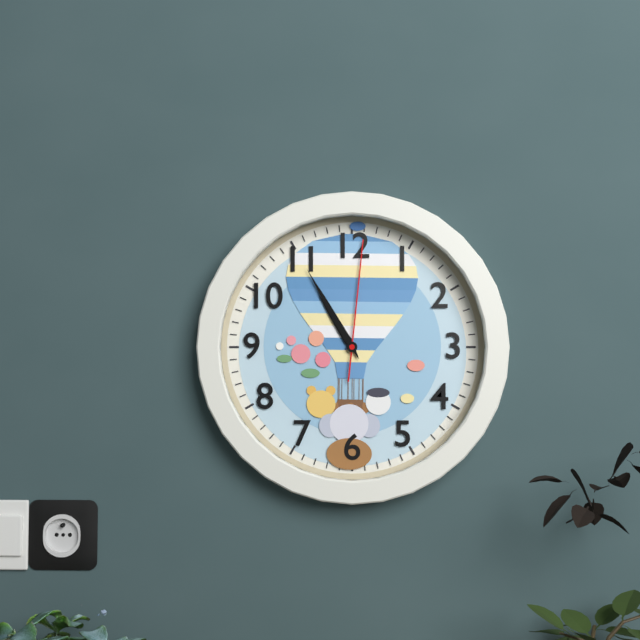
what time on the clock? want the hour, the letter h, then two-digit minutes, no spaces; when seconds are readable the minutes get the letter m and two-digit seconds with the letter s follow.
10h55m01s
